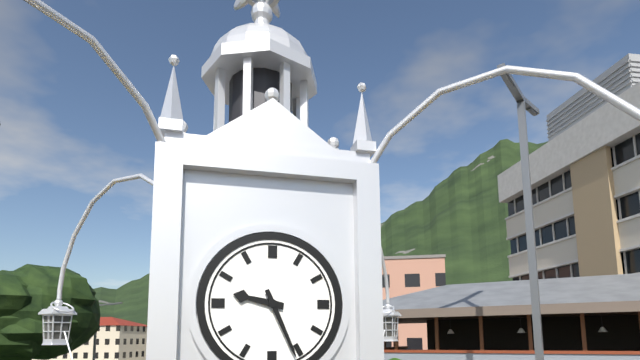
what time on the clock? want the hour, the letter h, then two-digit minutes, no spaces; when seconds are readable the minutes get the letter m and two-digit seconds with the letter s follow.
9h26
